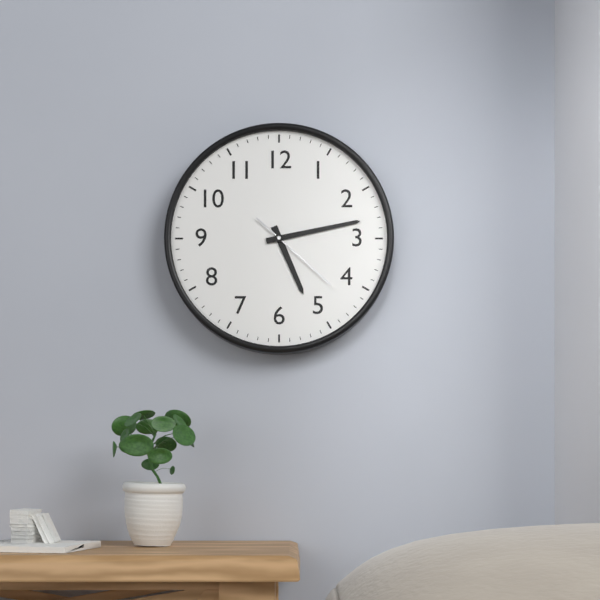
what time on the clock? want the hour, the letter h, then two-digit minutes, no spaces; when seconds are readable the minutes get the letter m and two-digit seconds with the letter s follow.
5h13m22s
